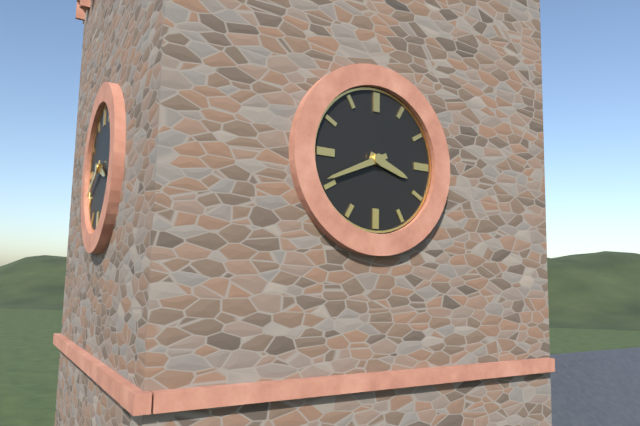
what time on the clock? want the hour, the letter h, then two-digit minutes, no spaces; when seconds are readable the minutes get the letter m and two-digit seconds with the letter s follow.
3h41
